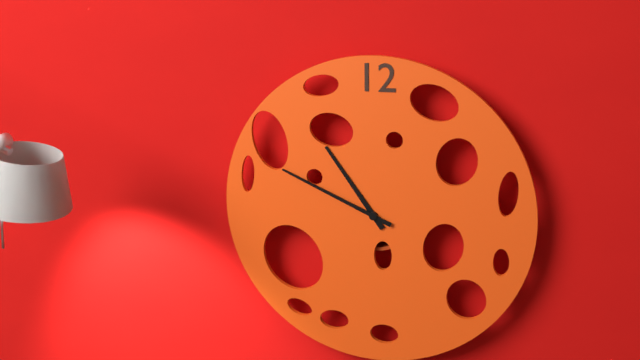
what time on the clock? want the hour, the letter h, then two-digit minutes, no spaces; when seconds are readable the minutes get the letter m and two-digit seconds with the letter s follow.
10h49
